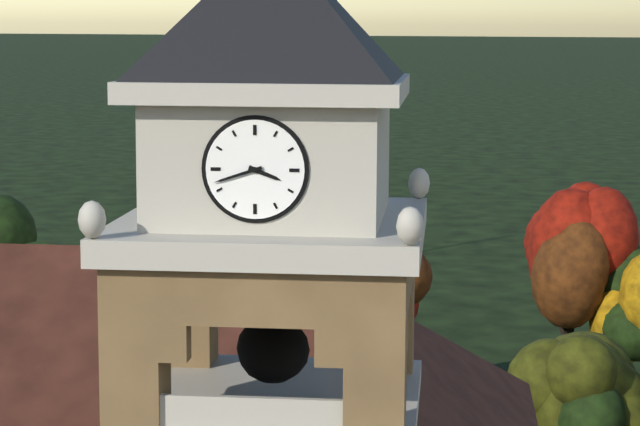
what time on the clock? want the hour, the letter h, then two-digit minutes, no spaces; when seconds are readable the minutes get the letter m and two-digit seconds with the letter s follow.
3h42
